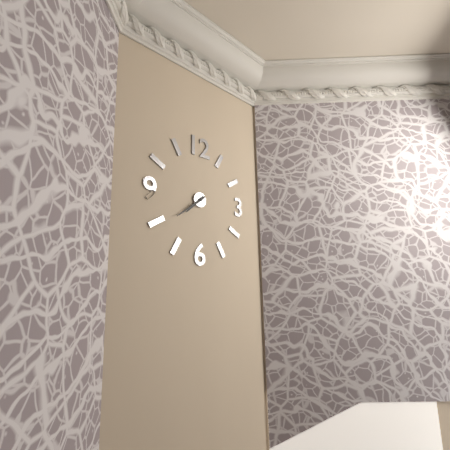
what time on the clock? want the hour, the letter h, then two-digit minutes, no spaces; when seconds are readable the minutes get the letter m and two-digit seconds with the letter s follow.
7h39
